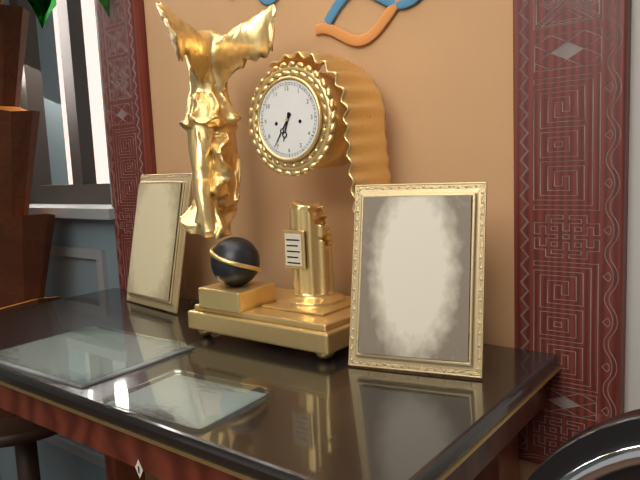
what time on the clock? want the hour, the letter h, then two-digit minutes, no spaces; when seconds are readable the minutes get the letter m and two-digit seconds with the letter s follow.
6h36
